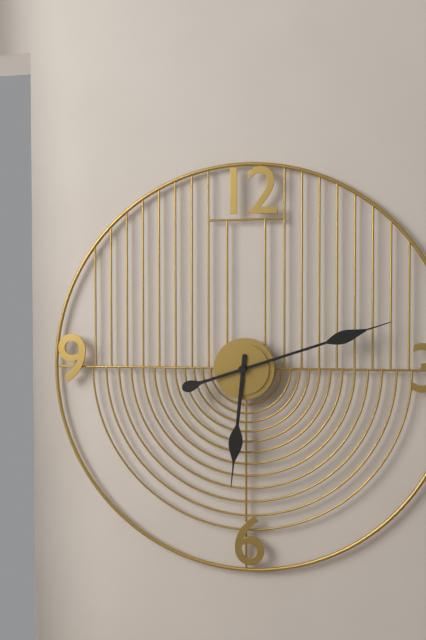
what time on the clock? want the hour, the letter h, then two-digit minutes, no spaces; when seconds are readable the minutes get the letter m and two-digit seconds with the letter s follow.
6h12
